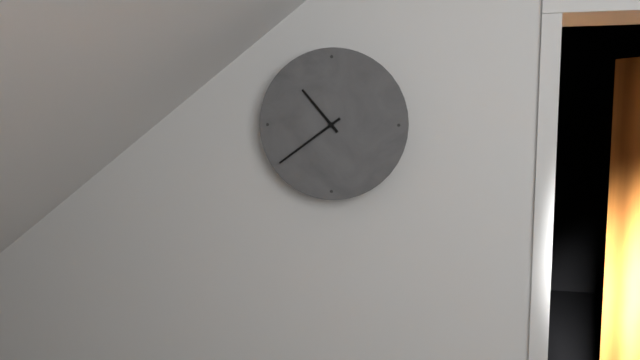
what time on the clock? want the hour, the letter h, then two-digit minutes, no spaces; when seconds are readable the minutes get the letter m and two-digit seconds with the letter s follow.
10h39
